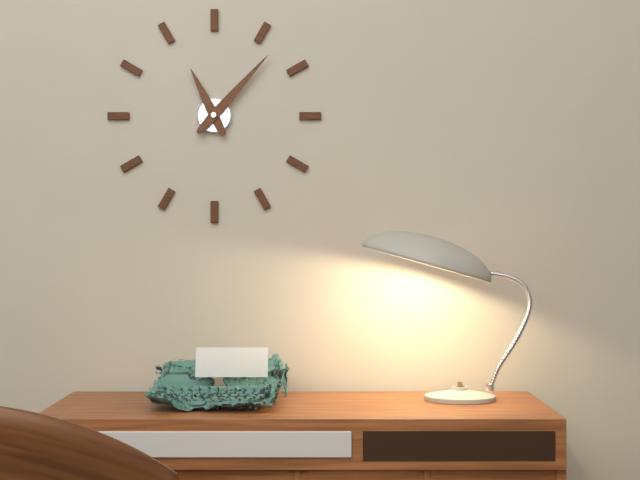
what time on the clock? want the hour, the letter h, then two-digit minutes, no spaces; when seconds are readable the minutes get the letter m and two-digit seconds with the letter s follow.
11h07
